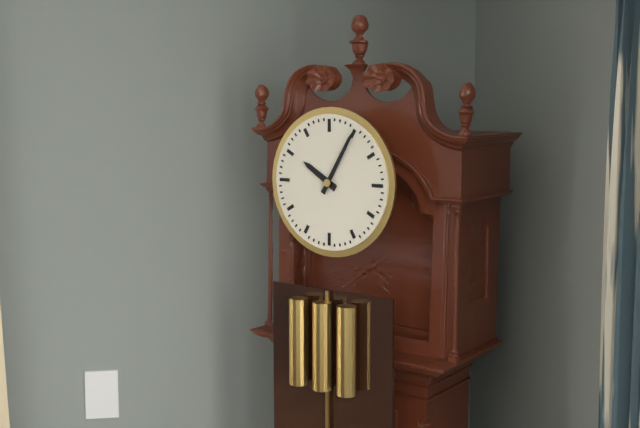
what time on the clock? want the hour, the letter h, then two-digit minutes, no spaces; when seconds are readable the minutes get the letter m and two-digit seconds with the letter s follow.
10h05
